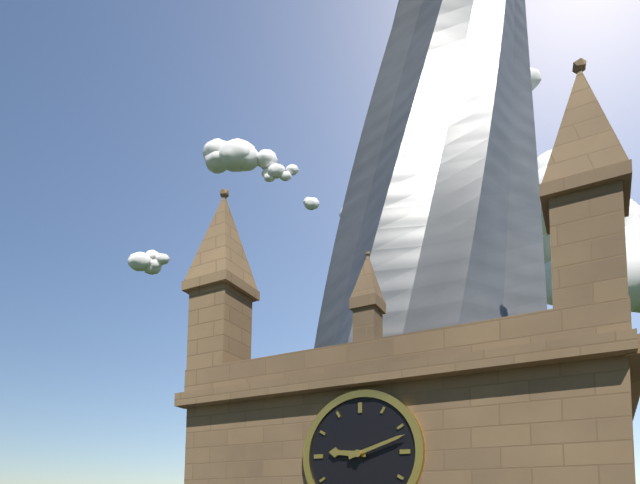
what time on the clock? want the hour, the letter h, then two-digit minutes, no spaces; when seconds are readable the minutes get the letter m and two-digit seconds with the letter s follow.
9h12
